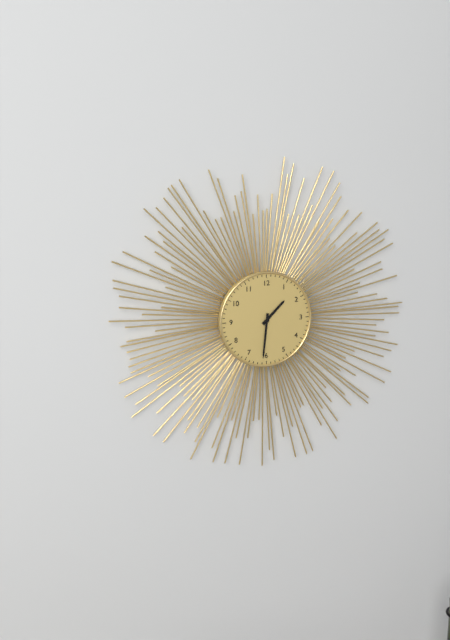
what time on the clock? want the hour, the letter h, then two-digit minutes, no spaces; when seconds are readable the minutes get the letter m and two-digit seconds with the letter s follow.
1h31
